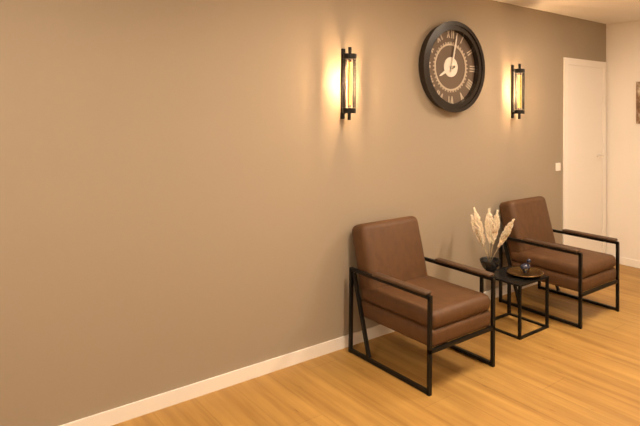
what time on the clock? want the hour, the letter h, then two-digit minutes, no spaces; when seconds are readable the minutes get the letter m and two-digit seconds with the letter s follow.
8h02
